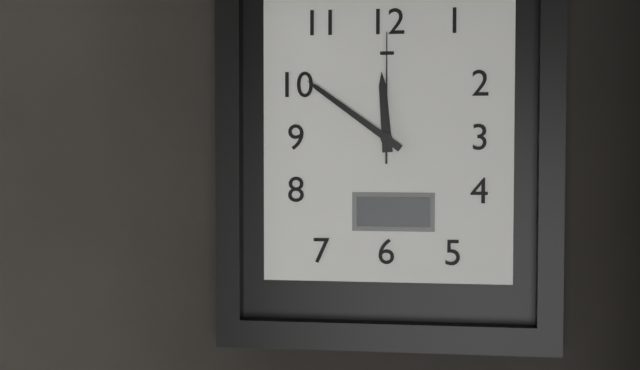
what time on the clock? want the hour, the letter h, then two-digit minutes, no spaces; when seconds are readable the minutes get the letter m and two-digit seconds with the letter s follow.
11h51m00s
